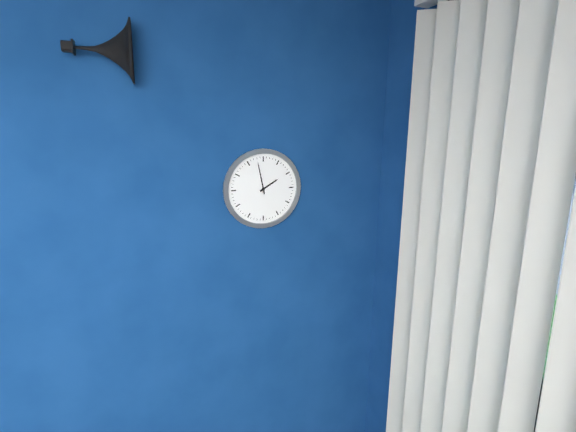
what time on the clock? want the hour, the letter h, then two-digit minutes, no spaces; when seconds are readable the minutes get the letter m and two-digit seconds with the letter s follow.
1h58
